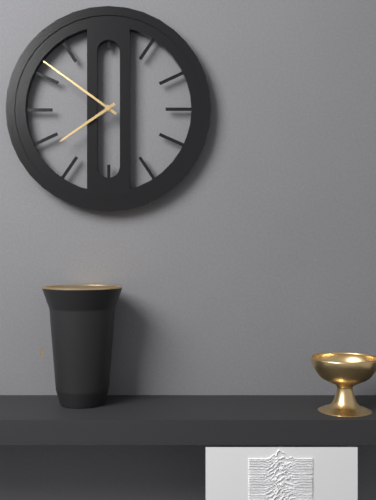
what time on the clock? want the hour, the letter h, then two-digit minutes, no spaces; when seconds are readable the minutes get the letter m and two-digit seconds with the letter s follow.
7h51
